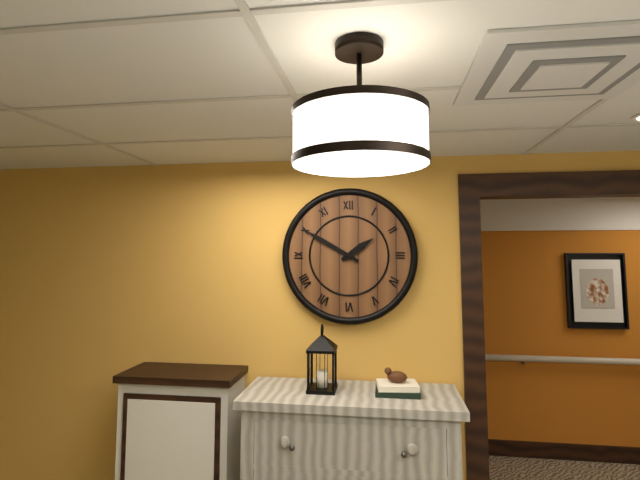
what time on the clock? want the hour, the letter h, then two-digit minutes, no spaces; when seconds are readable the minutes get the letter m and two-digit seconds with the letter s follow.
1h50
